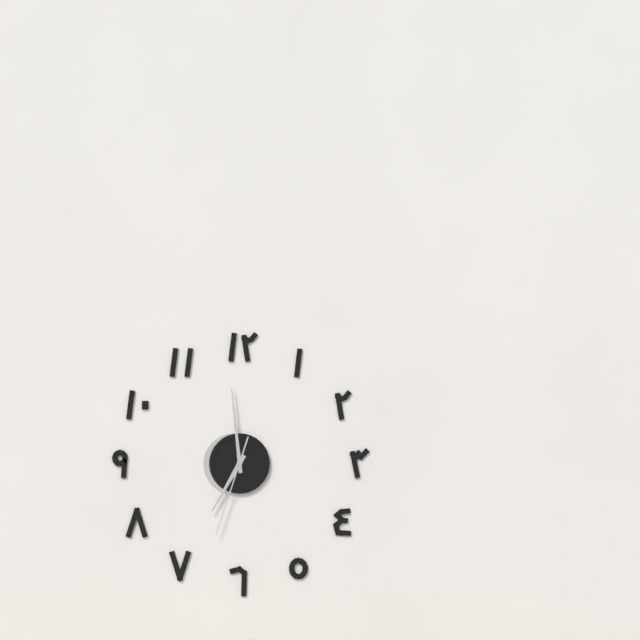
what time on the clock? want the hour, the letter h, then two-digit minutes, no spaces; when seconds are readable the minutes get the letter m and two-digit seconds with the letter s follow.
6h59m33s
